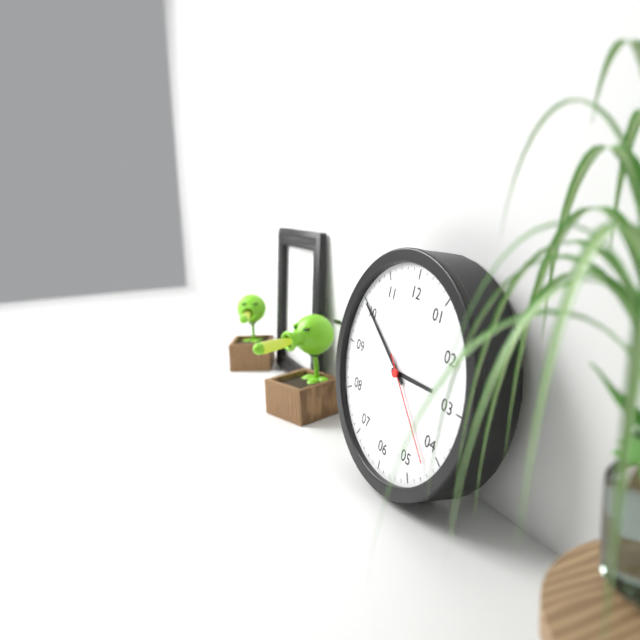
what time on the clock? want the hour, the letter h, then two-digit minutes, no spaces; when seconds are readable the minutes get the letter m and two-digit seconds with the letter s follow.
2h50m22s
